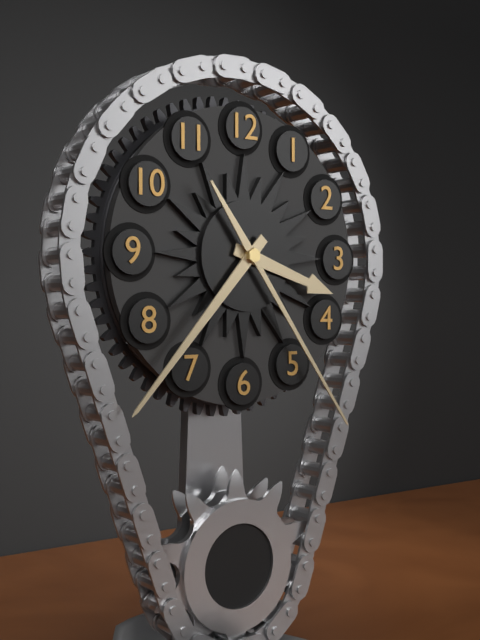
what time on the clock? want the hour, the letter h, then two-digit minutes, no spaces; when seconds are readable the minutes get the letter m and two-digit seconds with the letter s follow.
3h37m24s
